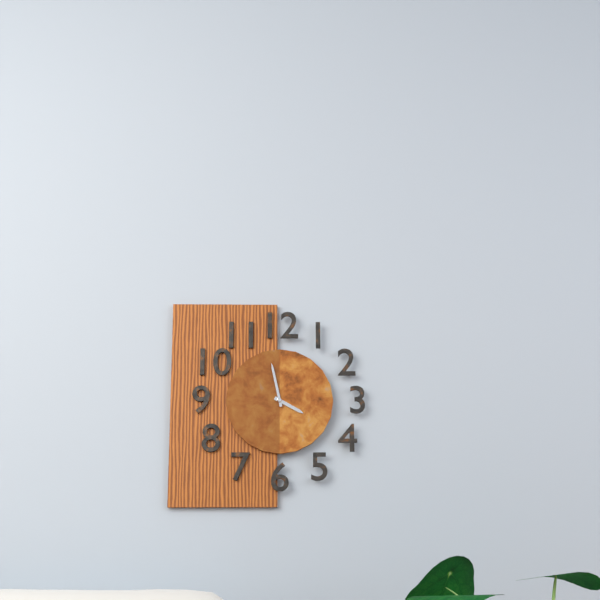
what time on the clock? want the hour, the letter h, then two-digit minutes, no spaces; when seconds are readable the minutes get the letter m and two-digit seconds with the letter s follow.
3h58
